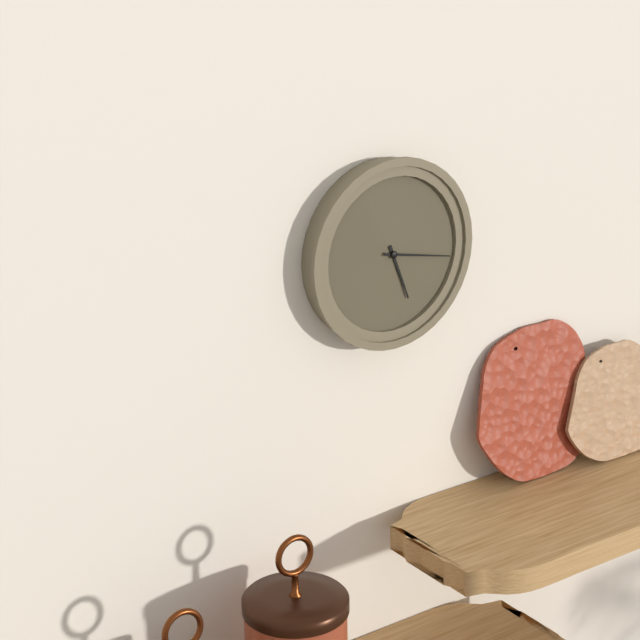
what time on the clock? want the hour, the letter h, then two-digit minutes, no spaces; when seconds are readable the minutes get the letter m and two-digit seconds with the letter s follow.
5h17
